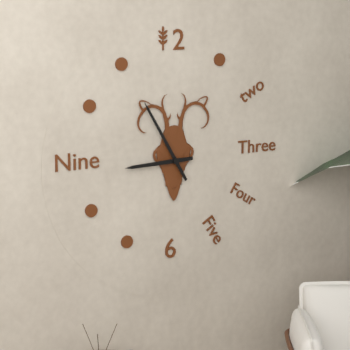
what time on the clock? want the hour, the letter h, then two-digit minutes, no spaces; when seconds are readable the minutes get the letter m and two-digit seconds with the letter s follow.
8h55
